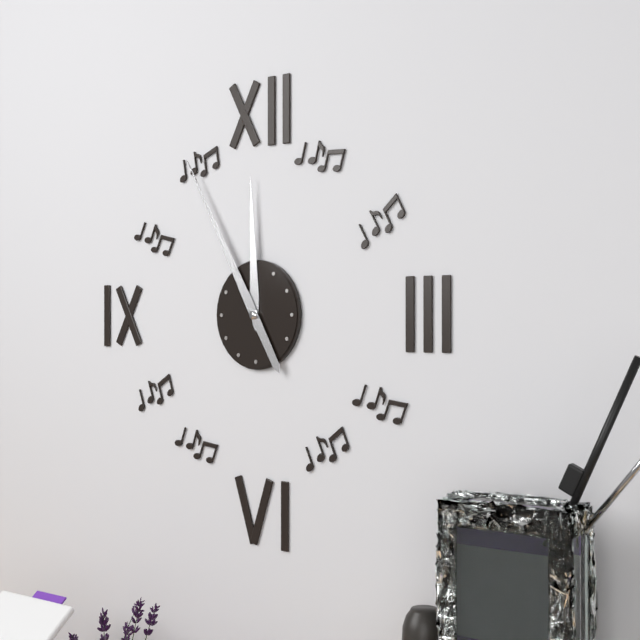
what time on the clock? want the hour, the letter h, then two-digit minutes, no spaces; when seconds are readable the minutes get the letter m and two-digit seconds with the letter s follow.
11h55
